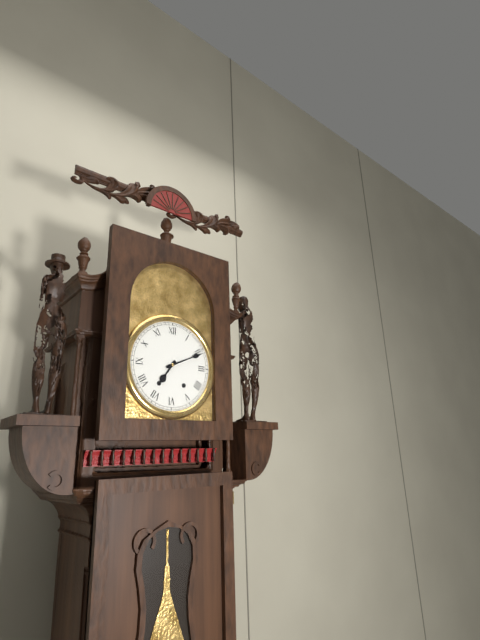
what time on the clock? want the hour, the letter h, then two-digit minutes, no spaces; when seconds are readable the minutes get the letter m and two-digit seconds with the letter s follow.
7h11
